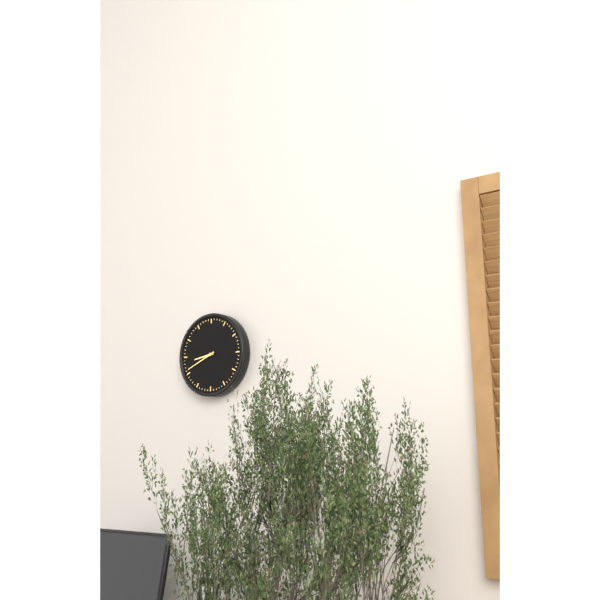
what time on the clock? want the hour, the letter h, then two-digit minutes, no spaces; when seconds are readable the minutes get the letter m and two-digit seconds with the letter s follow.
8h41
